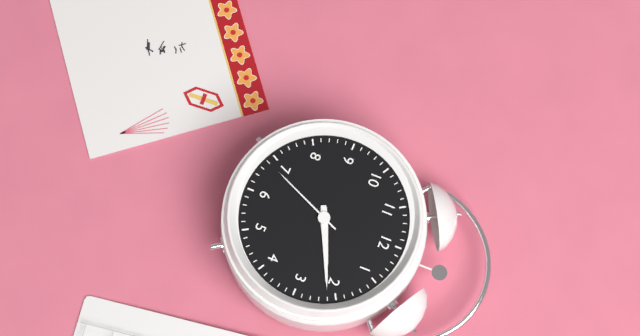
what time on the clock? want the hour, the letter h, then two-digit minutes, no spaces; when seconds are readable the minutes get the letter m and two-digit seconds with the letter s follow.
2h11m34s
